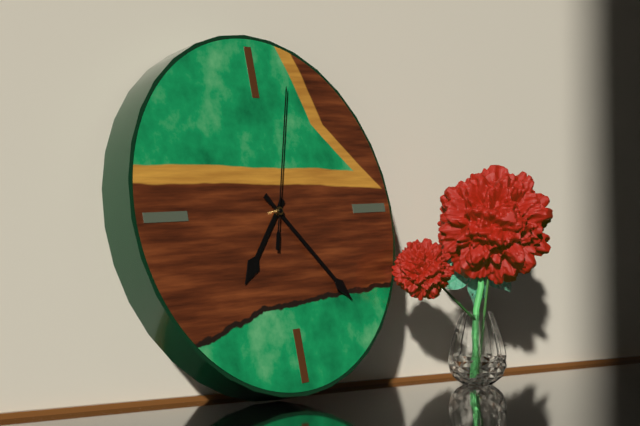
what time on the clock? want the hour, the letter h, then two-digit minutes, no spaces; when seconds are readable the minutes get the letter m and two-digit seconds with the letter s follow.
7h23m03s
